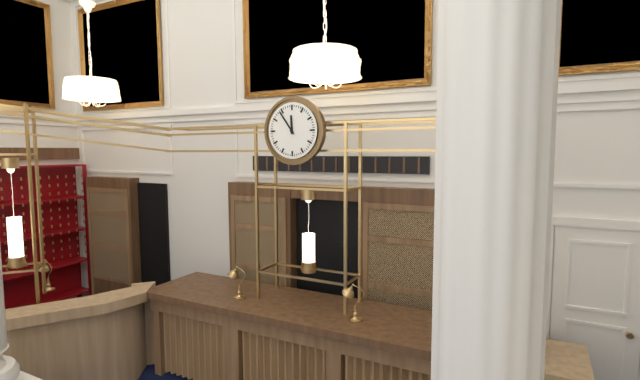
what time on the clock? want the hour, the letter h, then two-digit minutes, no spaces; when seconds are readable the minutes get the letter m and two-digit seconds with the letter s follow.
11h54
